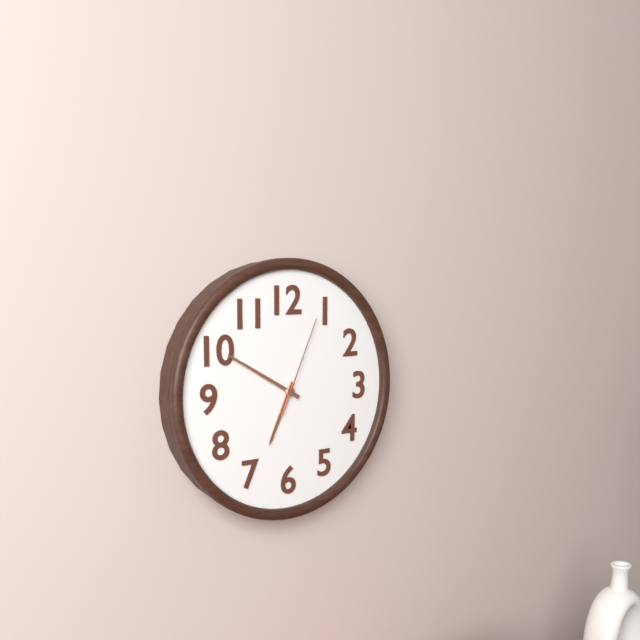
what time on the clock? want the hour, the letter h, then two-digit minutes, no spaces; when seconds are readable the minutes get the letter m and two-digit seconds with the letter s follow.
6h50m04s
